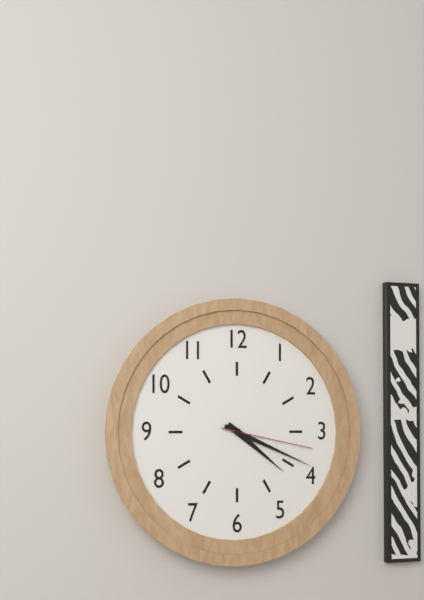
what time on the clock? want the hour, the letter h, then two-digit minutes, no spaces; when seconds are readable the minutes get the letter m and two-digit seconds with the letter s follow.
4h19m17s
